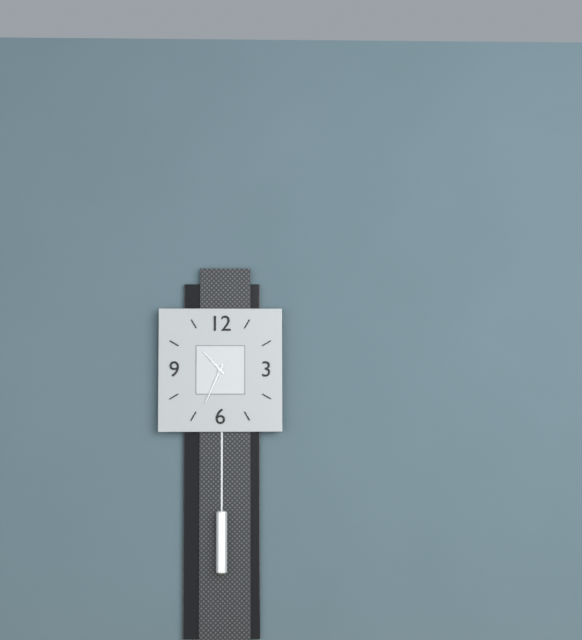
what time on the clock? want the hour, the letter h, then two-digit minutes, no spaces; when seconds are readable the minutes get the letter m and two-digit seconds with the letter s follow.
10h34
